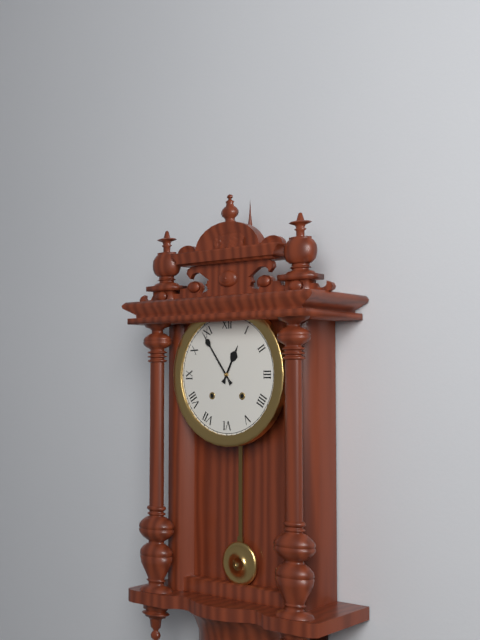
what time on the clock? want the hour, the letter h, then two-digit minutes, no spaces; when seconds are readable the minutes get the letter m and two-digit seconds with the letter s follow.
12h54
